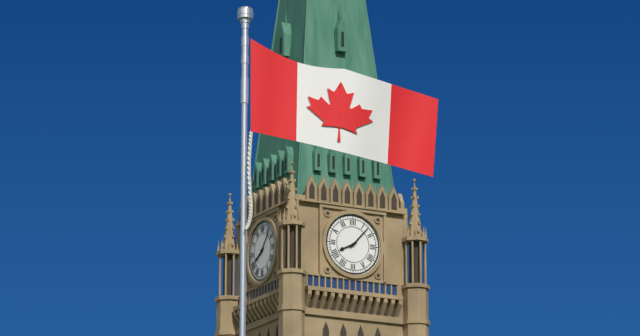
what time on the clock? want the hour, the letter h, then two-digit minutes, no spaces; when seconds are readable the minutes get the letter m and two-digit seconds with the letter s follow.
8h07
